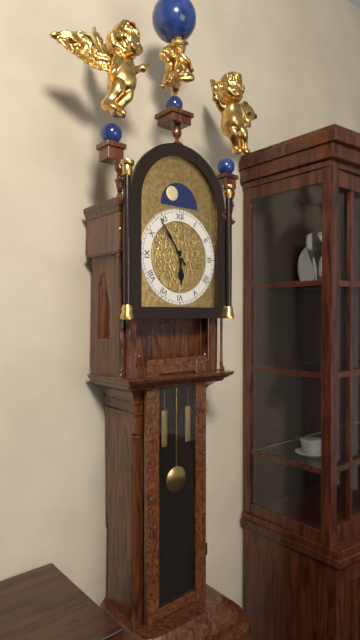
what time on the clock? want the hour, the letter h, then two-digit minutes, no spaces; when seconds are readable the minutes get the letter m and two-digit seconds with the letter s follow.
5h54
